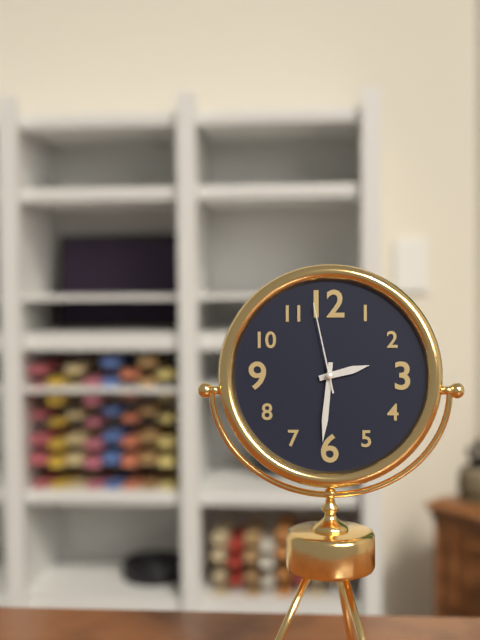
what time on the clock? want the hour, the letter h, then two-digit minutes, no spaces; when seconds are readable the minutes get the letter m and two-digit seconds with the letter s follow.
2h31m58s
